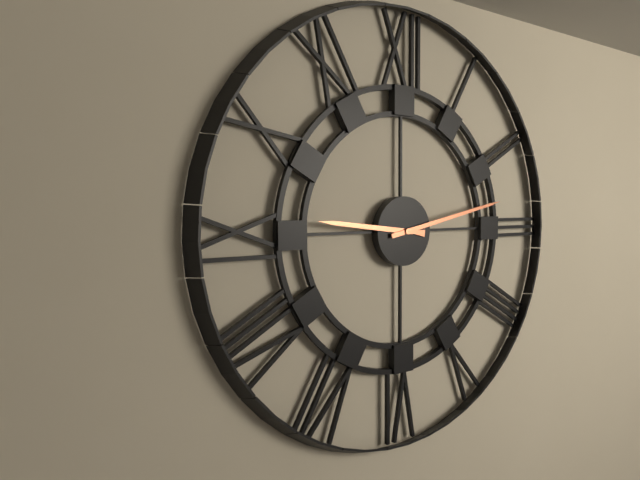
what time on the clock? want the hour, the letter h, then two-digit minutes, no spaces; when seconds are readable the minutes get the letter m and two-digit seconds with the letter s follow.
9h13
